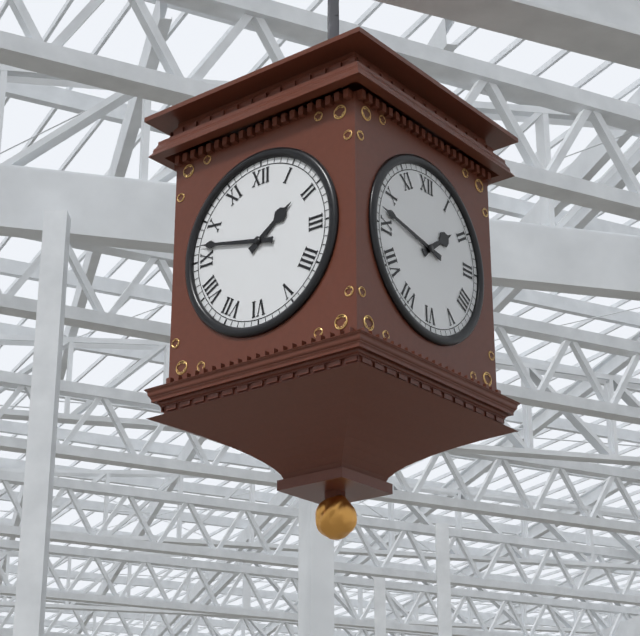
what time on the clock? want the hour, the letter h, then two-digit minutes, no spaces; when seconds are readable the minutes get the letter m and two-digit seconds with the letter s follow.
1h47
